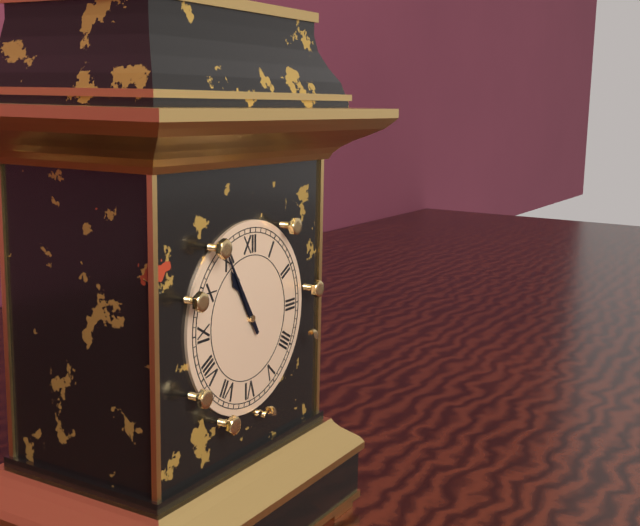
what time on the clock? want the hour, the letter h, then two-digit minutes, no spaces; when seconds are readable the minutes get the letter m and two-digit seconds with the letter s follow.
10h55
